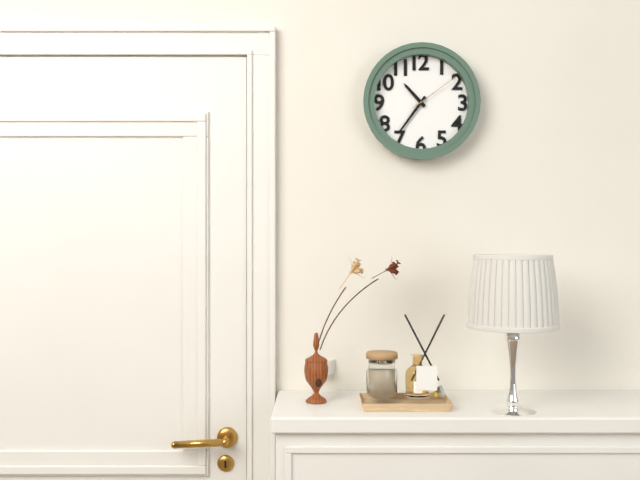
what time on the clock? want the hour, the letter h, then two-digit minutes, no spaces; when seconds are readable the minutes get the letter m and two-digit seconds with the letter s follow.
10h36m09s
